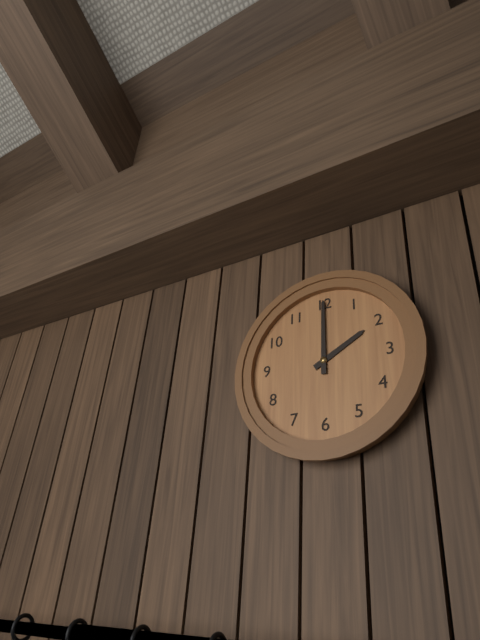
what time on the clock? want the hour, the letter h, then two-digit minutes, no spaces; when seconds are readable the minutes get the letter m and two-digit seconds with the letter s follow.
2h00
